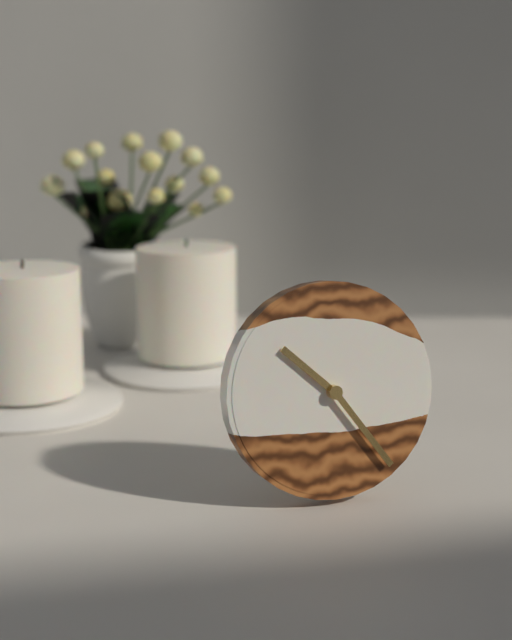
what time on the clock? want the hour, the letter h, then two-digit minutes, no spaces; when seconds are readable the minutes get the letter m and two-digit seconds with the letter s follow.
10h24
